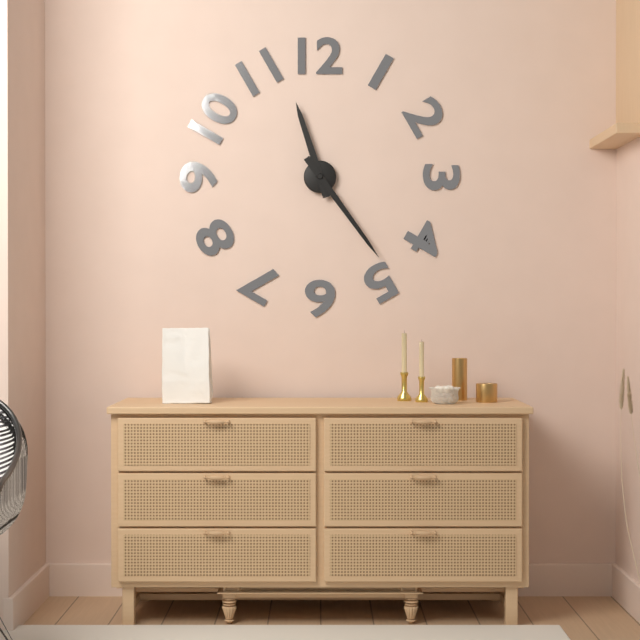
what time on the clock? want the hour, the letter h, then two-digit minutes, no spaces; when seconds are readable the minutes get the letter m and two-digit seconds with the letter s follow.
11h24
